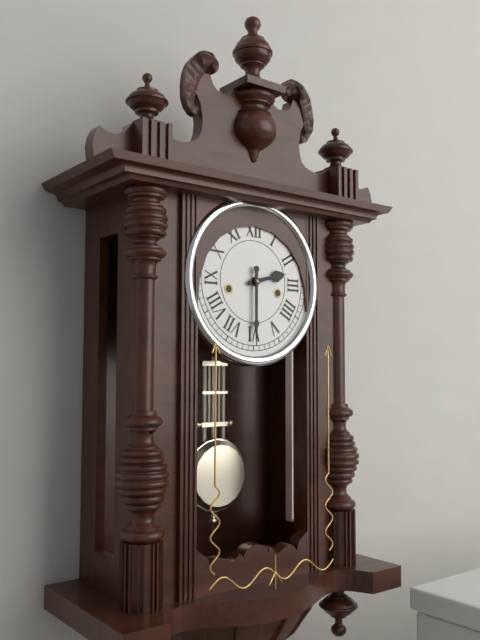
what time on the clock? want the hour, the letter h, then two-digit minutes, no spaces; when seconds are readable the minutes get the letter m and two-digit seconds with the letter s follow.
2h30
